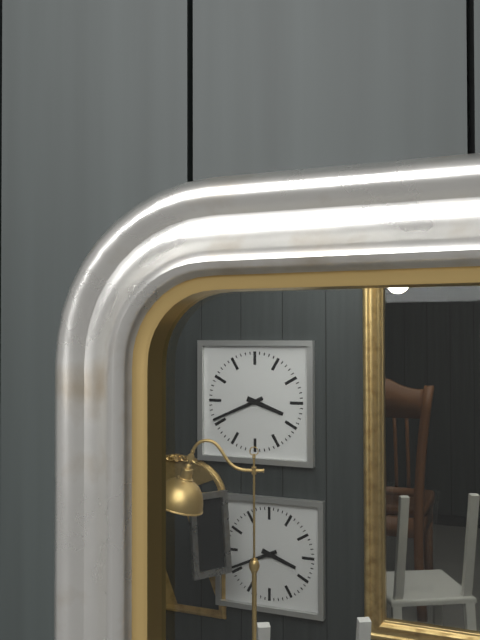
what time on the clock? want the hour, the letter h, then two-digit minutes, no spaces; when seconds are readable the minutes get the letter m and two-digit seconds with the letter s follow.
3h41
